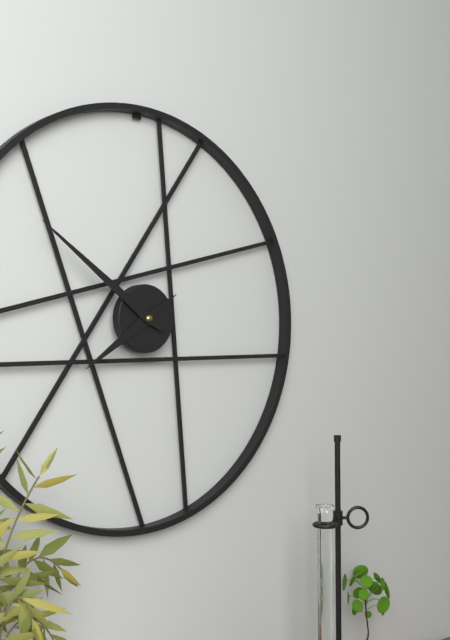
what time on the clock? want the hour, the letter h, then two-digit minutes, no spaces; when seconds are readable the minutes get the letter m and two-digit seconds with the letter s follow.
7h51
